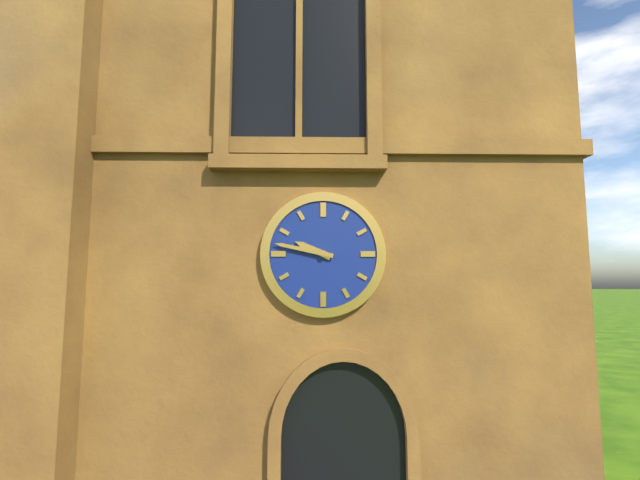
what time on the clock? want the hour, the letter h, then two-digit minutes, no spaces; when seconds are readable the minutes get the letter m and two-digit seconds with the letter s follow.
9h47
